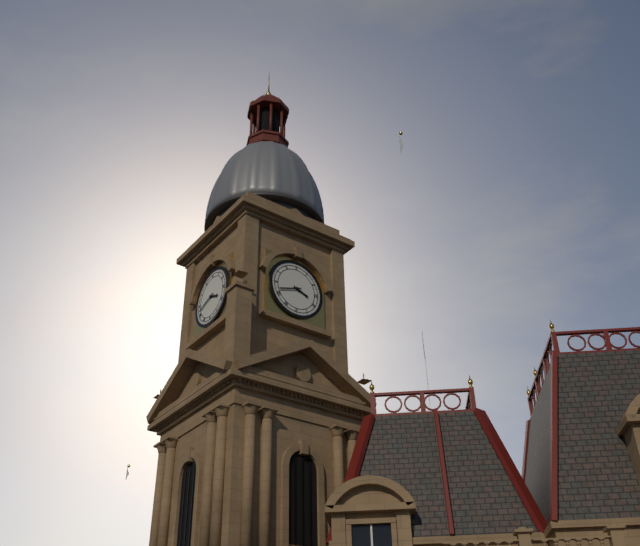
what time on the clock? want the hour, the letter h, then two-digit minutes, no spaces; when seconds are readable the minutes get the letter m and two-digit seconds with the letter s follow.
3h42
